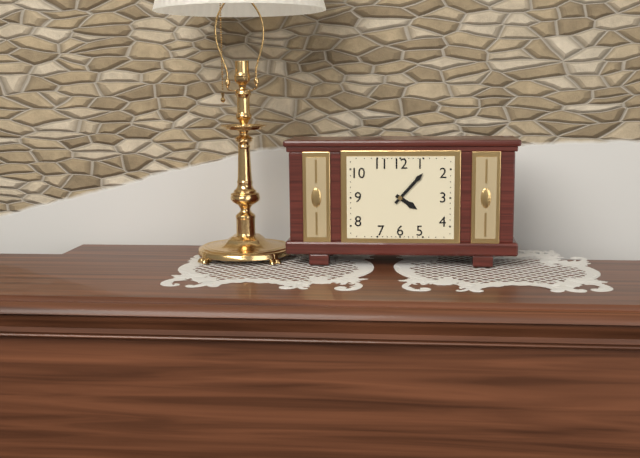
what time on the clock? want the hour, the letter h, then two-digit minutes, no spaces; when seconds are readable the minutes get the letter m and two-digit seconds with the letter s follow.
4h07
